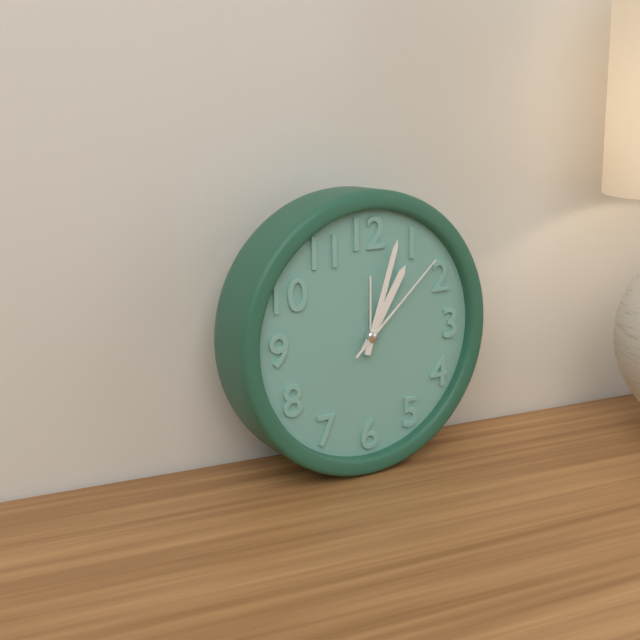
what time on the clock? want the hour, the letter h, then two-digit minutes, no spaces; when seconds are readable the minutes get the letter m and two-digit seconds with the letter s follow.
1h03m08s
